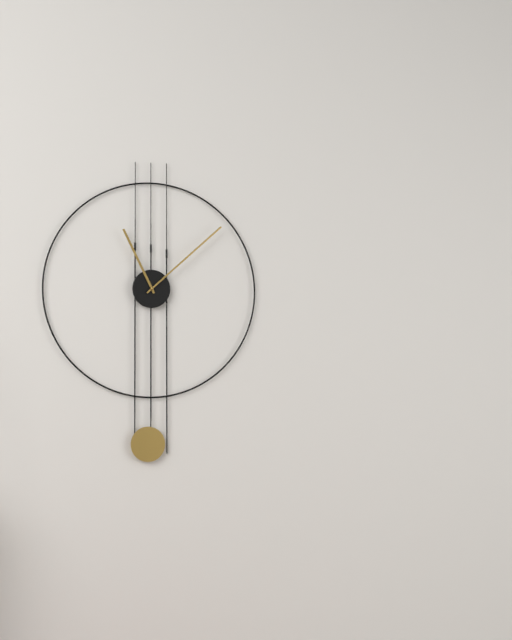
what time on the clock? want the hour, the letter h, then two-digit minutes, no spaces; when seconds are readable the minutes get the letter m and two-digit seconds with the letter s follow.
11h08
